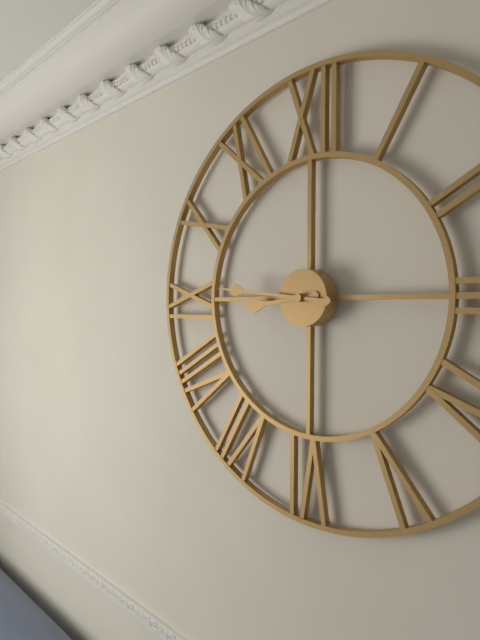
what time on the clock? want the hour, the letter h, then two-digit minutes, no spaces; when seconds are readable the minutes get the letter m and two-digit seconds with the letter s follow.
8h46
